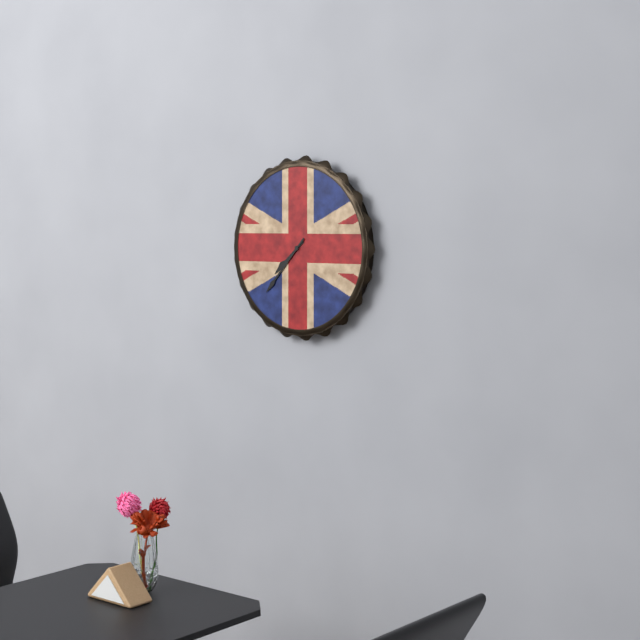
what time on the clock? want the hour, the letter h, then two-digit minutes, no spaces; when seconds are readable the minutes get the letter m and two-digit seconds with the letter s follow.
7h37
